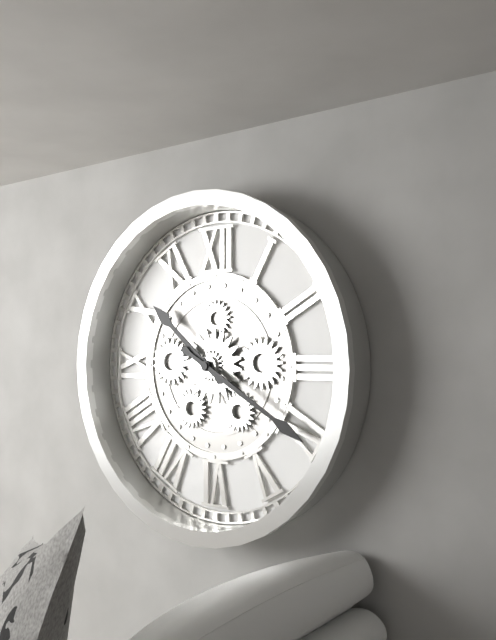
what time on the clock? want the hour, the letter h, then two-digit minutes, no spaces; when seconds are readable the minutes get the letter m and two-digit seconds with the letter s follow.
10h20
